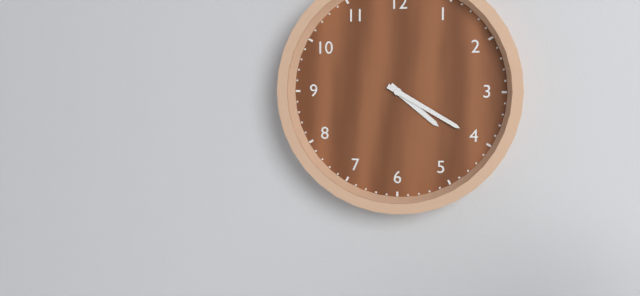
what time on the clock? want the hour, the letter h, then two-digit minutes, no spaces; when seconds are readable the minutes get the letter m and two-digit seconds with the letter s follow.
4h20
